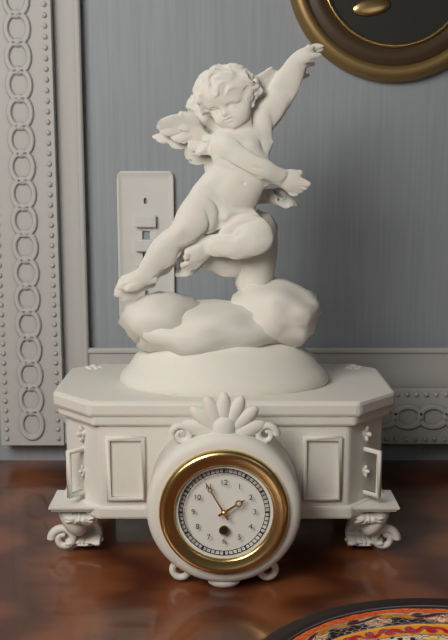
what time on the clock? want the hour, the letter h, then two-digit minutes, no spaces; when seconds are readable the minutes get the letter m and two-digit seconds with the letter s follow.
1h55
